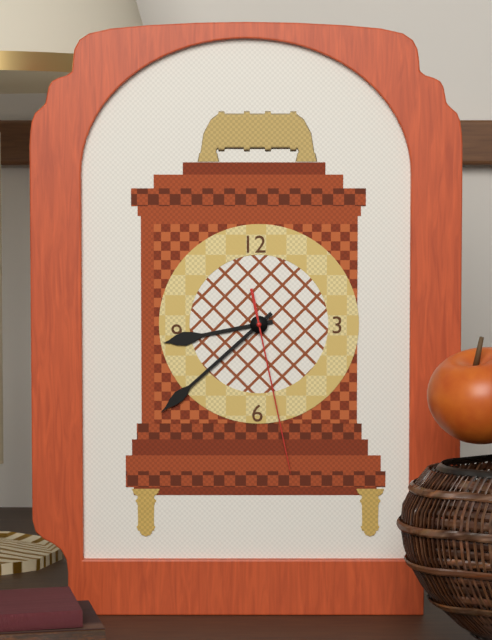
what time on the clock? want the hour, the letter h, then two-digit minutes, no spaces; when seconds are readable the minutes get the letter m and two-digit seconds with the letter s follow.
8h38m28s
